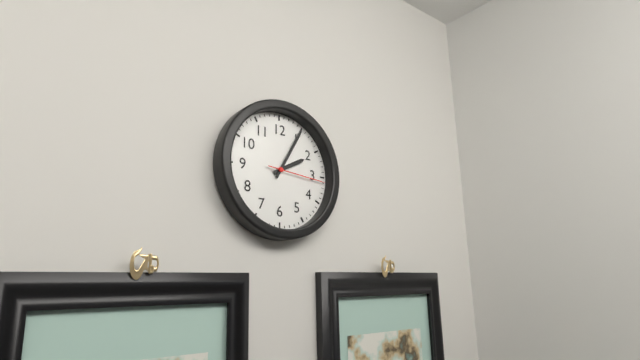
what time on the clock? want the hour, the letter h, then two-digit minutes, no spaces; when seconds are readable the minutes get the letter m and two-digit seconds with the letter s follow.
2h05m16s
